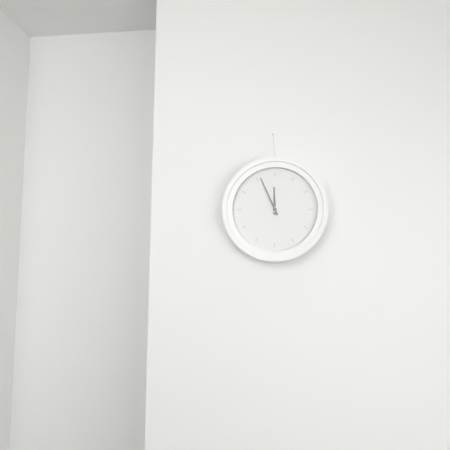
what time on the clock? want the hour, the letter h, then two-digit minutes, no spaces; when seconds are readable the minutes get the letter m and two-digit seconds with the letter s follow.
11h56
